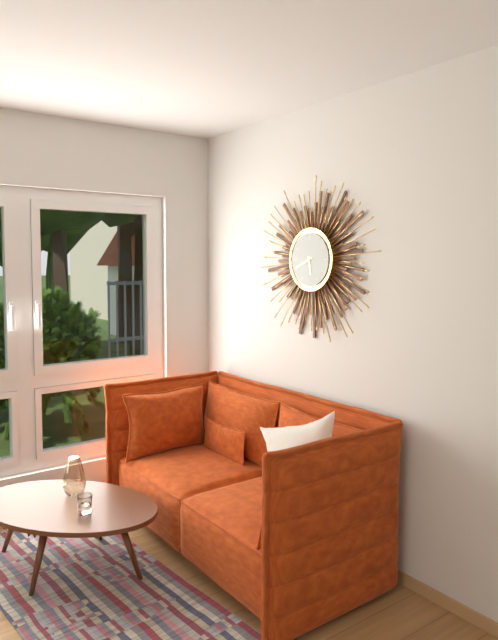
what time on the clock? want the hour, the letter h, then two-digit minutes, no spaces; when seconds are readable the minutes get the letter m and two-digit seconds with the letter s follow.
5h41
